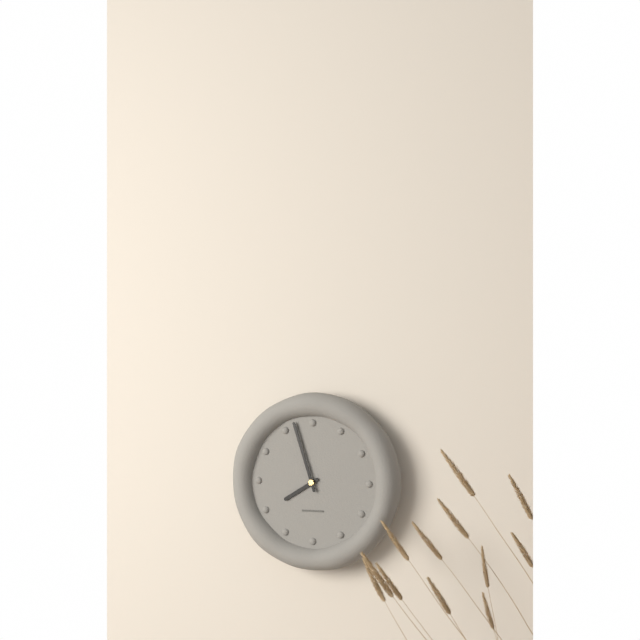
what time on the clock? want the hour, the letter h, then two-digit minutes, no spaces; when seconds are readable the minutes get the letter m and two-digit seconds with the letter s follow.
7h57
